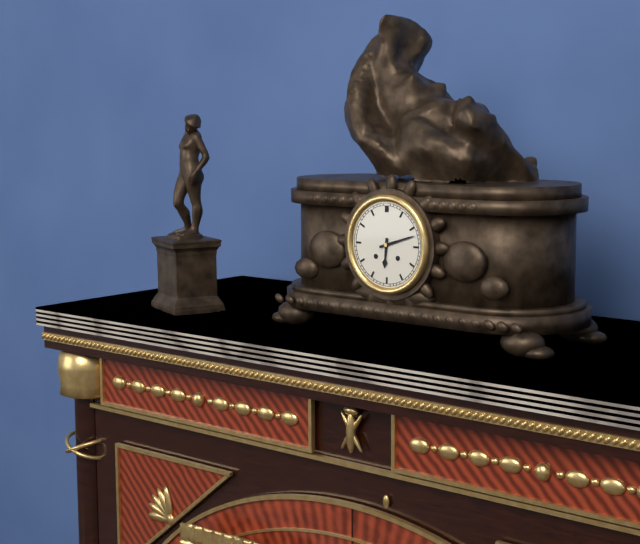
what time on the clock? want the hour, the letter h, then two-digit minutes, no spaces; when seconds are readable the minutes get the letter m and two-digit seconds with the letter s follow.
6h12
